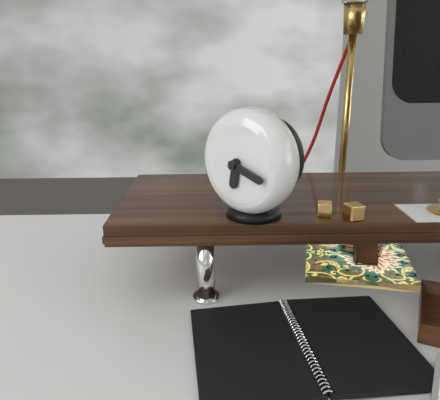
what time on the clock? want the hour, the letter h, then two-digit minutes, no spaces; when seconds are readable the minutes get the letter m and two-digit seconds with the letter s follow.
6h18
